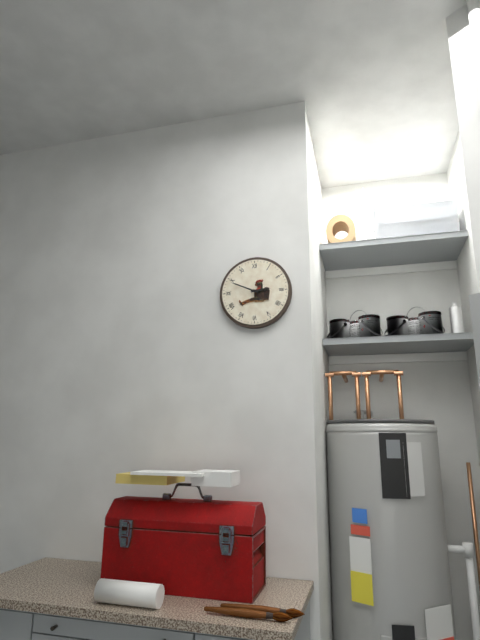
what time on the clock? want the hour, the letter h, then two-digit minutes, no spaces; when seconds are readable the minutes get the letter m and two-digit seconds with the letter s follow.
2h49
